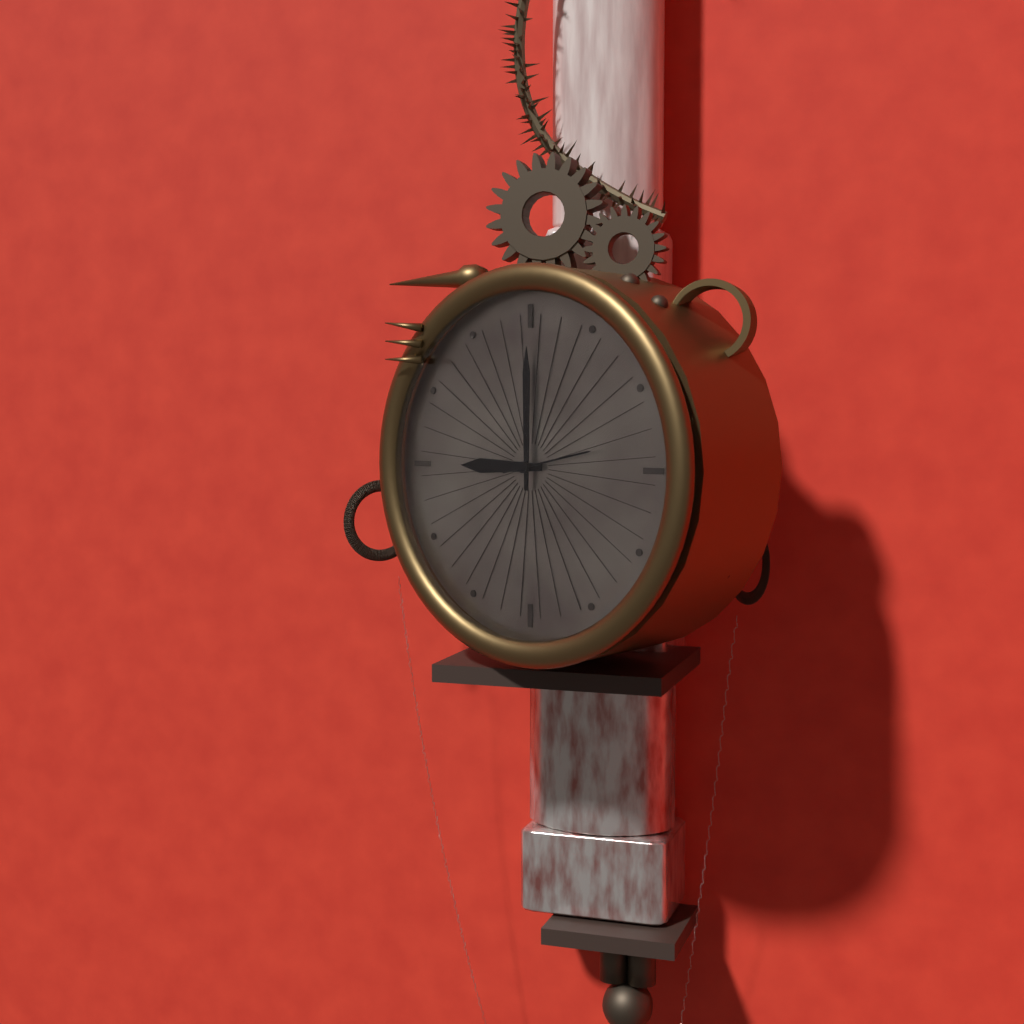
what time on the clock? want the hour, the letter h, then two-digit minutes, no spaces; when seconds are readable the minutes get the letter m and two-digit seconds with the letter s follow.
9h00m13s
